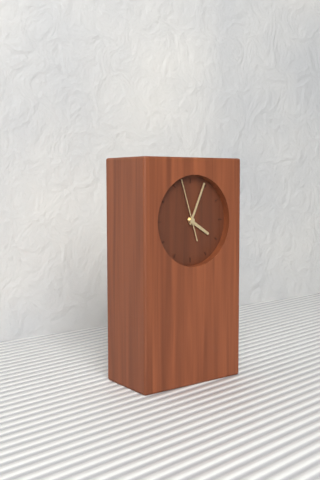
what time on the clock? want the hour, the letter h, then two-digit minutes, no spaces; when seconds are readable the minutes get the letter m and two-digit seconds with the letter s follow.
4h04m57s
